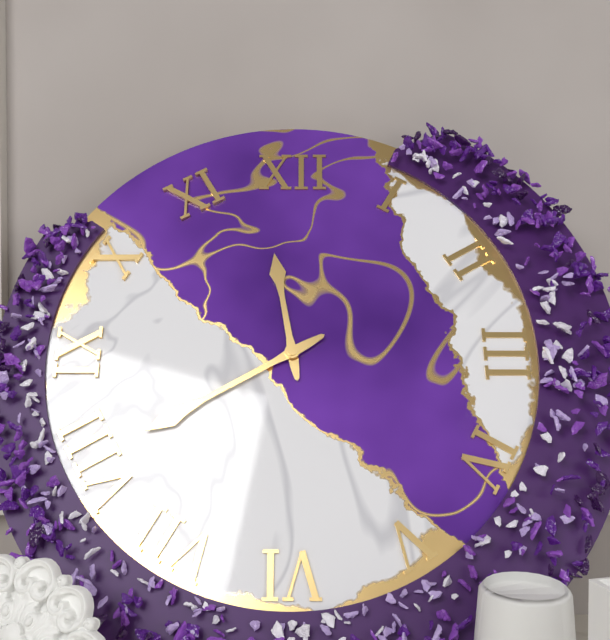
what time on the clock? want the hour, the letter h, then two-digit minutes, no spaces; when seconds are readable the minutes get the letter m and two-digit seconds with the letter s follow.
11h40
